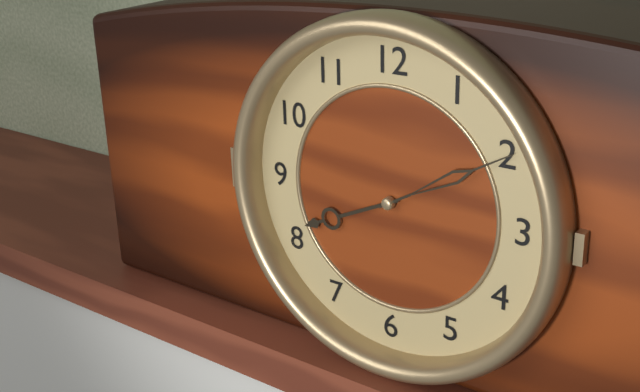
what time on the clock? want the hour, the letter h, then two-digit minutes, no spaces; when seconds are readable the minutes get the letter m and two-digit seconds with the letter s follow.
8h10
